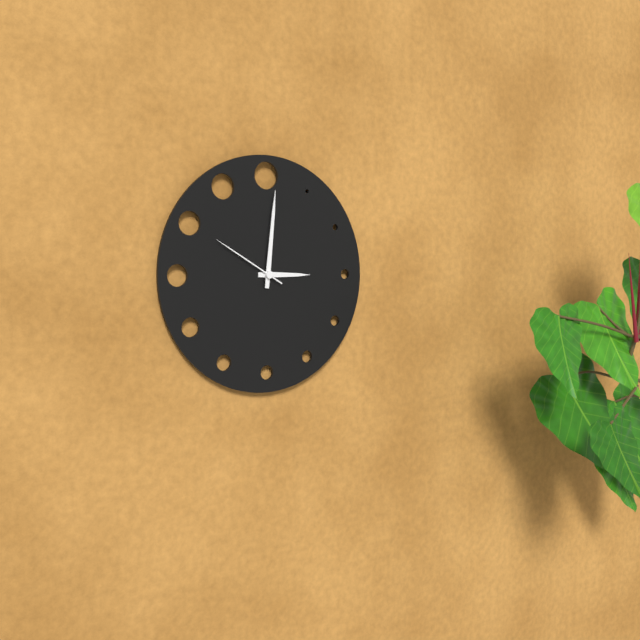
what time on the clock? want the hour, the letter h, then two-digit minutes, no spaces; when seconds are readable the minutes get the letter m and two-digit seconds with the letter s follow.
3h01m50s
